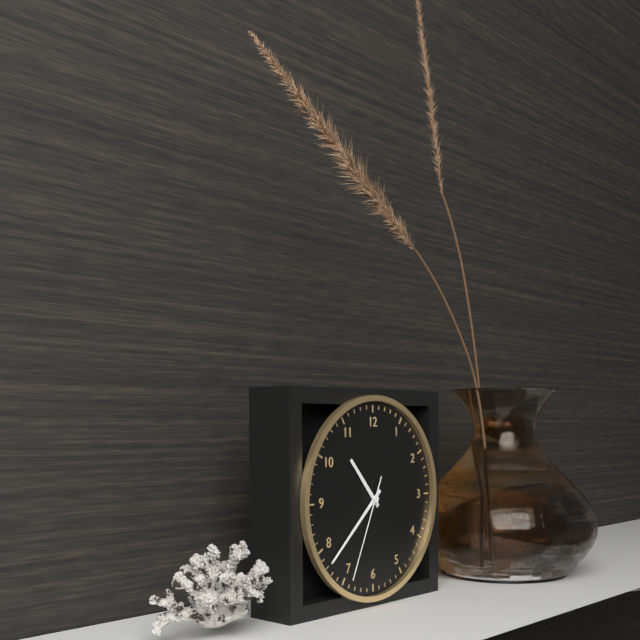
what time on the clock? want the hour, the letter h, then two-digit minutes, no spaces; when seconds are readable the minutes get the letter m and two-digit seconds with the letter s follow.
10h38m34s
